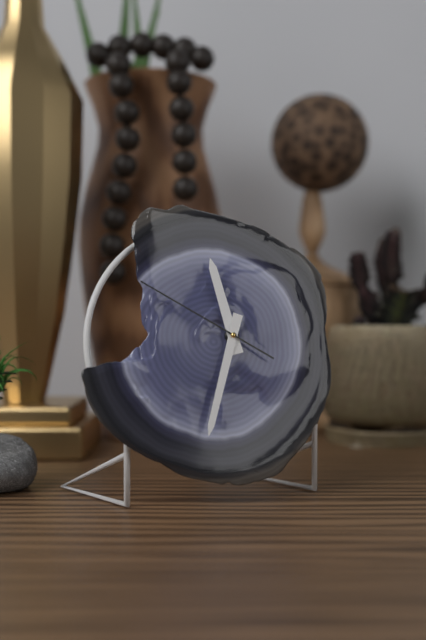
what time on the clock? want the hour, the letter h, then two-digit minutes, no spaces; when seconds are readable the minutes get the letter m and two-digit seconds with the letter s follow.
11h33m50s
